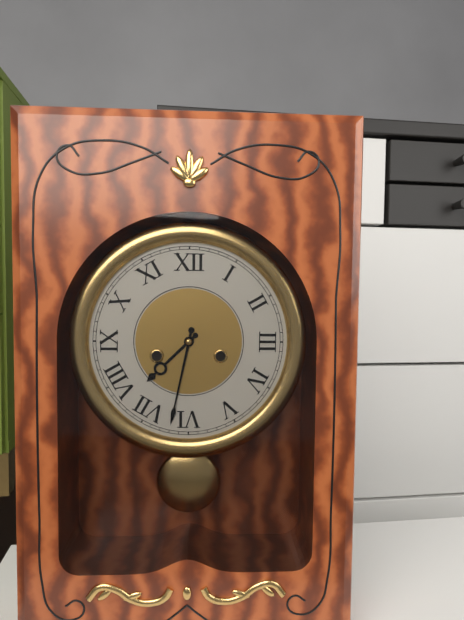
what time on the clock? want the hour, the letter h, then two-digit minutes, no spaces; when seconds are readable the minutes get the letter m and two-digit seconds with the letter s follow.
7h32
